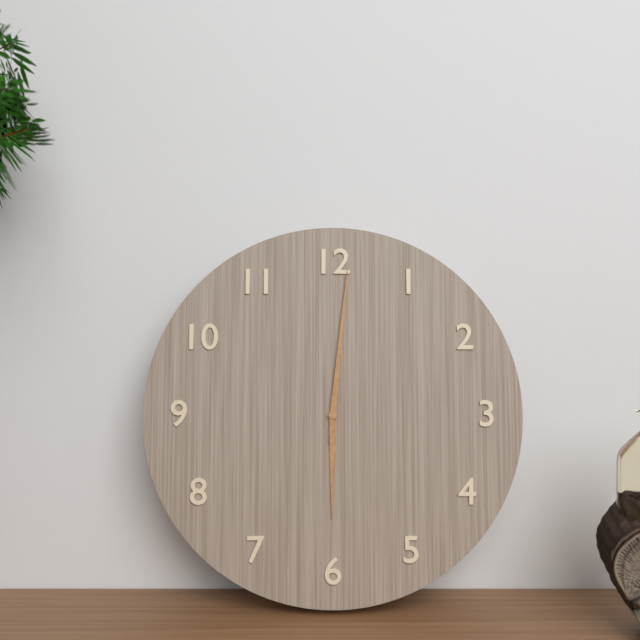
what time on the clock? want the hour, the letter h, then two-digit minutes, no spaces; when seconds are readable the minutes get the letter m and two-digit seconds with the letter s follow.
6h01
